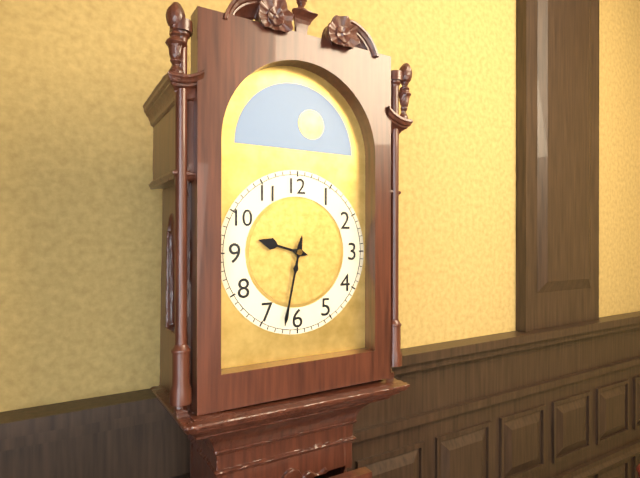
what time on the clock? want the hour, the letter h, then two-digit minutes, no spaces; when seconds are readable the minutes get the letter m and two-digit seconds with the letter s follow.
9h32
